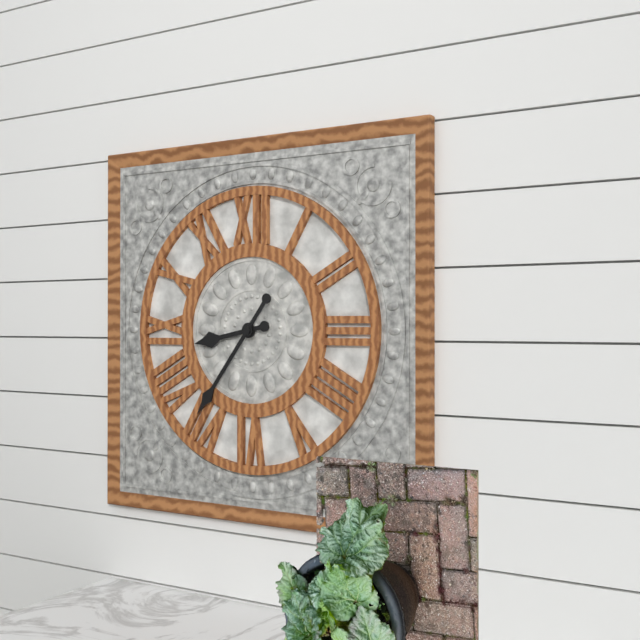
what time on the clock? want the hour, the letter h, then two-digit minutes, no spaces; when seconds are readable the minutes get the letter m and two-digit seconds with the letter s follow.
8h36
